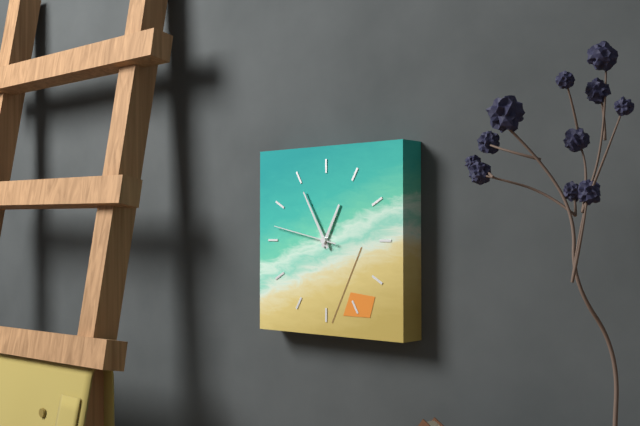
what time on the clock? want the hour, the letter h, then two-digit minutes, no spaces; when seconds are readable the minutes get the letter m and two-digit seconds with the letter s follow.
12h55m47s
